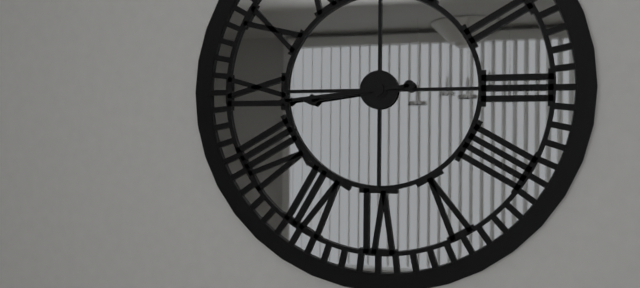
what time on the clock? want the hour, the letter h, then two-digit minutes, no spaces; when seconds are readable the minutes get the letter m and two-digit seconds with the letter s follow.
8h44
